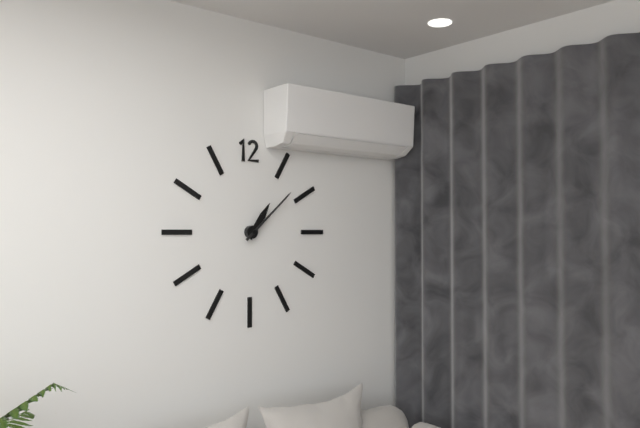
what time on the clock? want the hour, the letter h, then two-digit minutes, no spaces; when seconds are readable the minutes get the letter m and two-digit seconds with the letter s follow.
1h08
